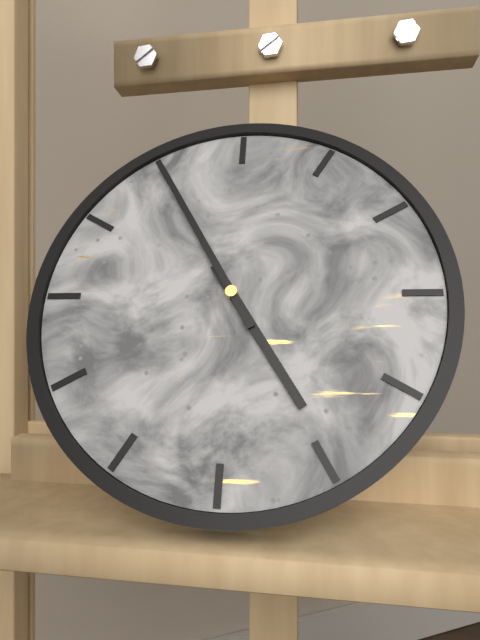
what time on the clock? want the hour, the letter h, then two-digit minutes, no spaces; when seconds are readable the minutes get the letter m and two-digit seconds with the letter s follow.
4h55
